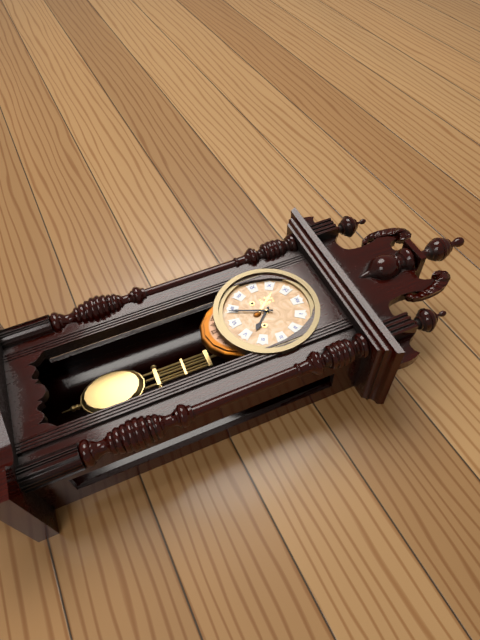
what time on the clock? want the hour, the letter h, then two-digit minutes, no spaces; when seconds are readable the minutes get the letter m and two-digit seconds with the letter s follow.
4h34
